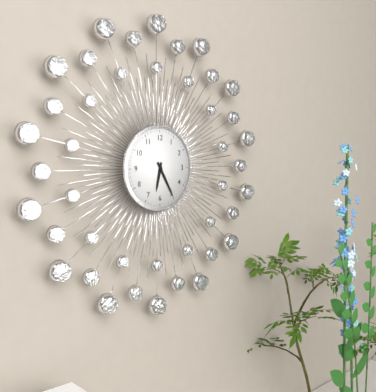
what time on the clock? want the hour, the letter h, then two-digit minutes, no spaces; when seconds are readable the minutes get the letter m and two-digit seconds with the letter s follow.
6h25
